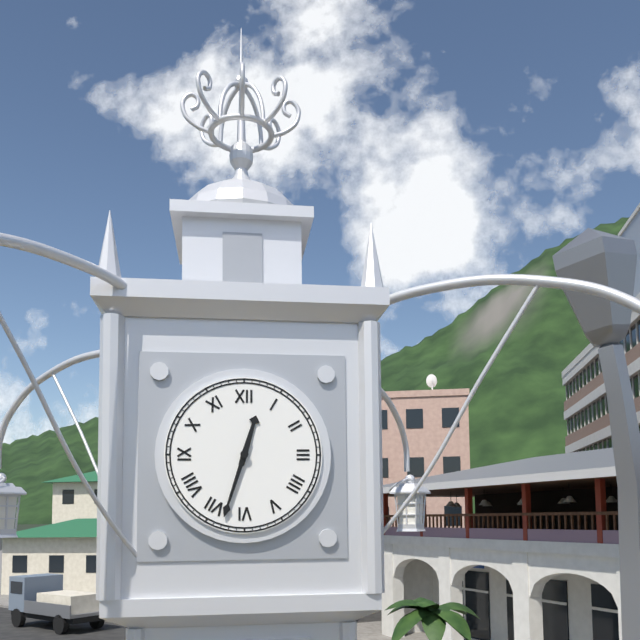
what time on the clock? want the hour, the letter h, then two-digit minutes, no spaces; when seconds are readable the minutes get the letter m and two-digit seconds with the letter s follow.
12h33
